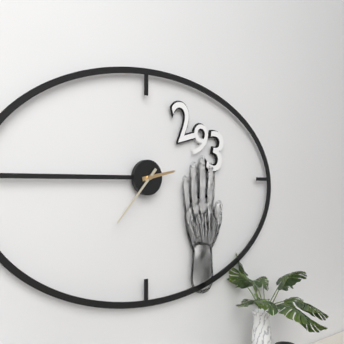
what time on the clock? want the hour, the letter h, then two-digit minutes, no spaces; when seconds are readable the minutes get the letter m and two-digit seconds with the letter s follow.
2h37
